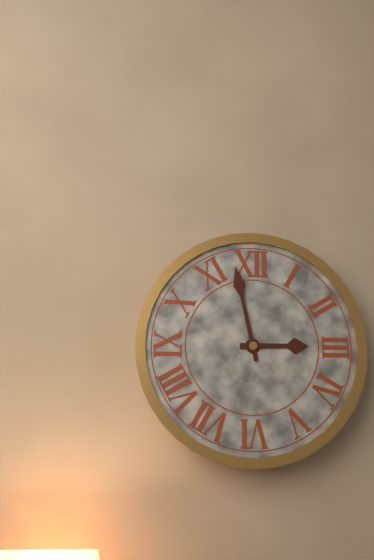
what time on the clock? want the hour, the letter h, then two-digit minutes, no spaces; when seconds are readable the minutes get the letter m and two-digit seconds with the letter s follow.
2h58
